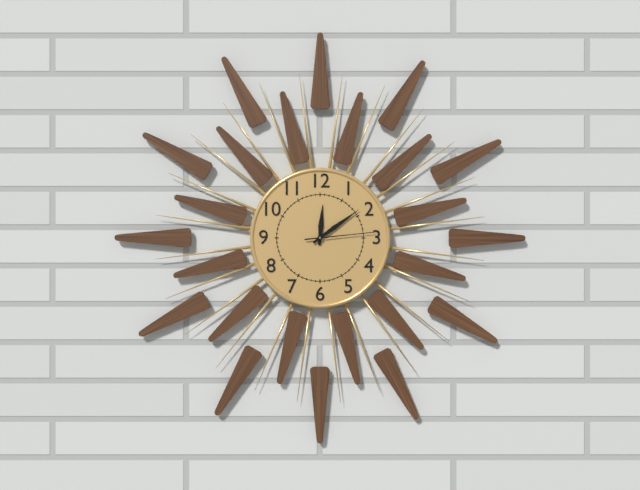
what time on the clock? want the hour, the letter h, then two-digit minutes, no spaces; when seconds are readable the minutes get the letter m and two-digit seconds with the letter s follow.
12h09m14s
